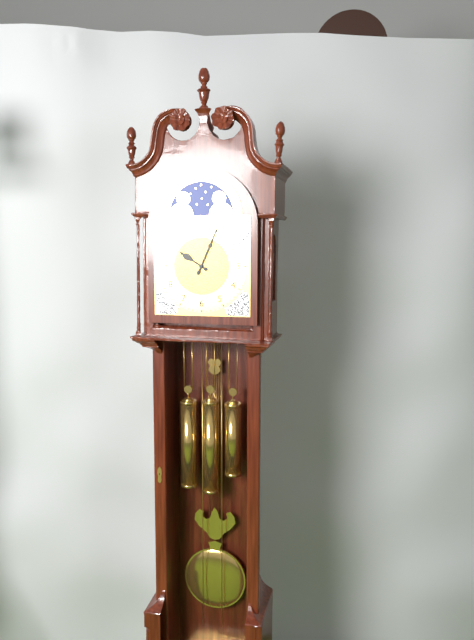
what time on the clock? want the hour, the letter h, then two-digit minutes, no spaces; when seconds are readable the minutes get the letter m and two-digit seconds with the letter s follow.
10h04
